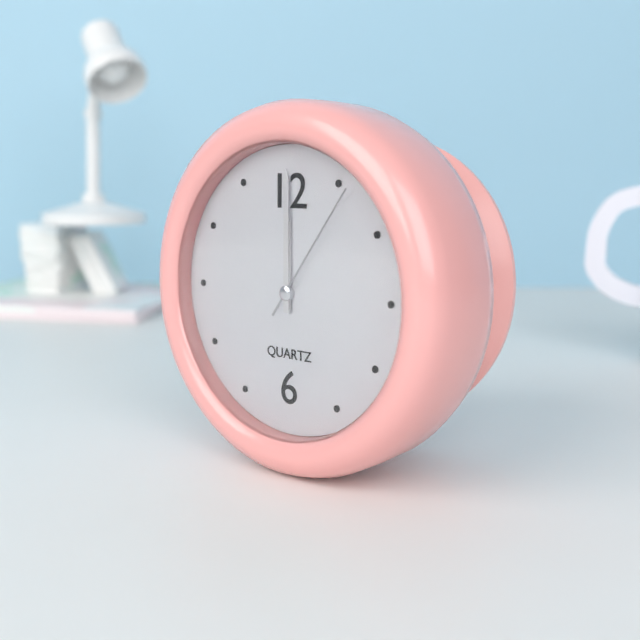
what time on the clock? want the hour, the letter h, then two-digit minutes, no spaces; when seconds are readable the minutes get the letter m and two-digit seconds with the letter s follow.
12h00m06s
